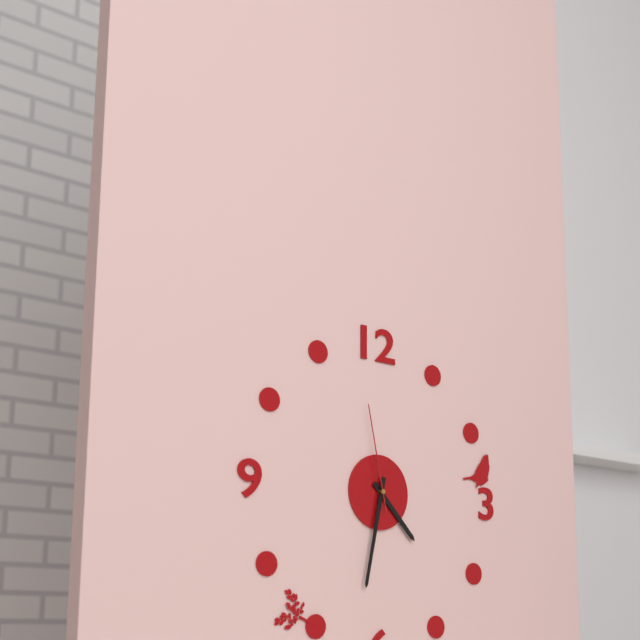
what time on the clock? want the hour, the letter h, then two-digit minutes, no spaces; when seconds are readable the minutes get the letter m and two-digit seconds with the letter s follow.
4h32m58s
